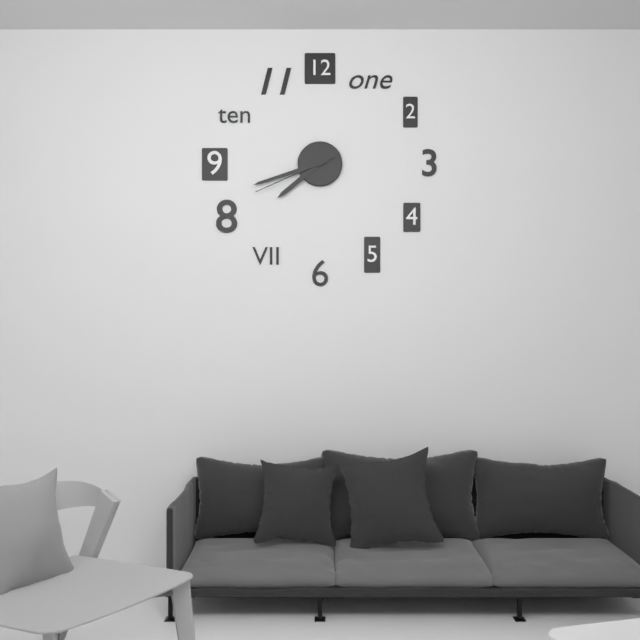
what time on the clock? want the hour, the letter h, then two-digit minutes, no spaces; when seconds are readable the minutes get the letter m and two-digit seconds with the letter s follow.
7h42m41s
